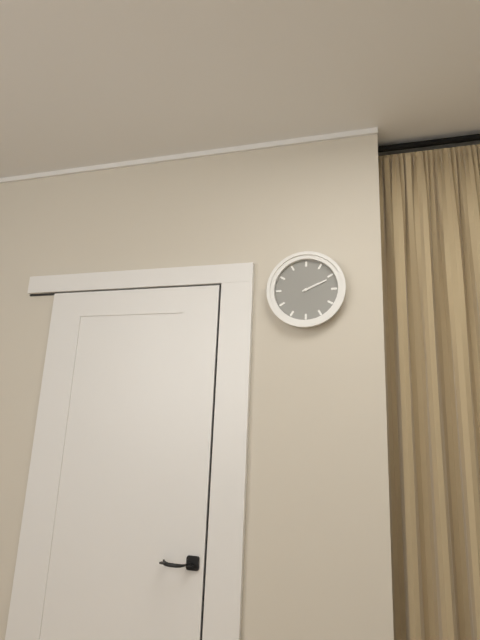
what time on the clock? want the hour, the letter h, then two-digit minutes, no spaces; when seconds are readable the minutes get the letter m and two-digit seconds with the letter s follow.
2h11
